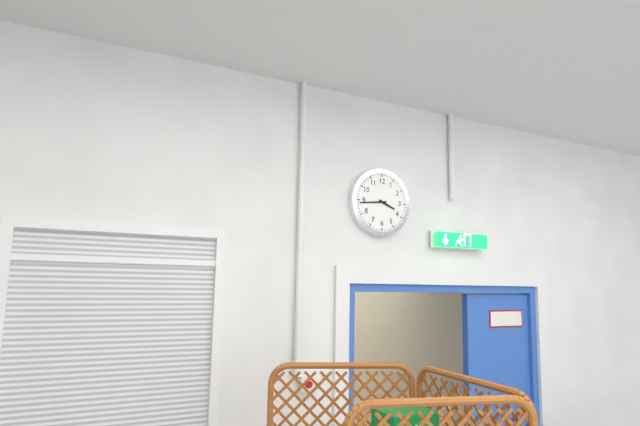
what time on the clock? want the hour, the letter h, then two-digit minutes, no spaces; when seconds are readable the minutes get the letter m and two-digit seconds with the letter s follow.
3h44
